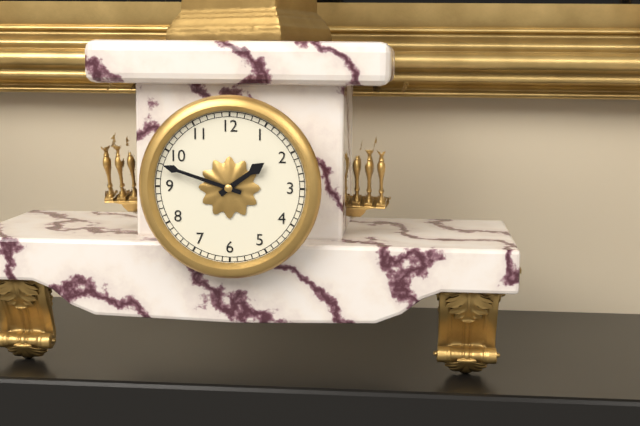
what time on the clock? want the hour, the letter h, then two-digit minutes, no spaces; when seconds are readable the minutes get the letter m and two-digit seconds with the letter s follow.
1h48
